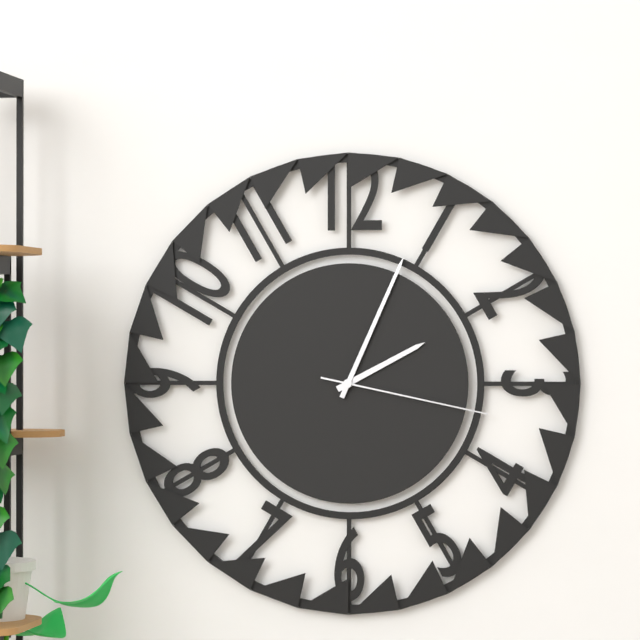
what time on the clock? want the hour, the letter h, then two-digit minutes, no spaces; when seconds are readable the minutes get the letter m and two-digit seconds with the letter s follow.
2h04m17s
